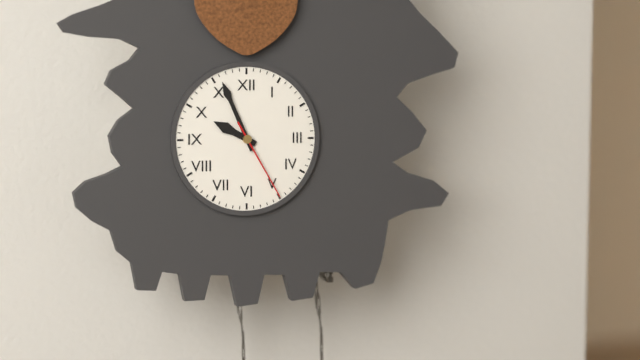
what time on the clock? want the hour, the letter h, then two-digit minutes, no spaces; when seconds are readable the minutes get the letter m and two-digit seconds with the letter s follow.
9h56m25s
